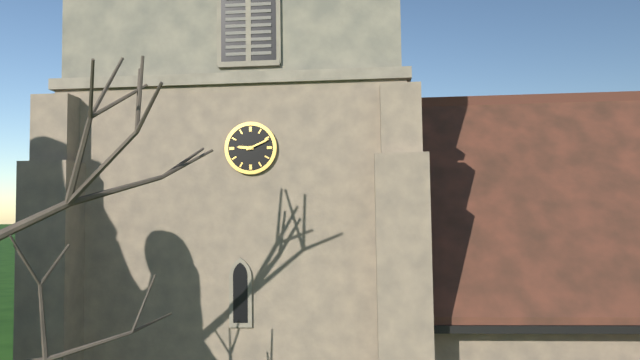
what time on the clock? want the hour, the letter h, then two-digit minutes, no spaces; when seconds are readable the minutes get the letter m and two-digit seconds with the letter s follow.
9h11
